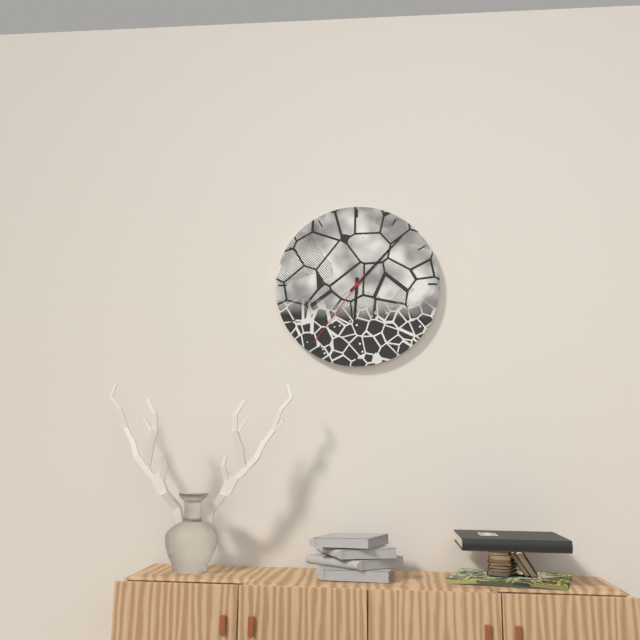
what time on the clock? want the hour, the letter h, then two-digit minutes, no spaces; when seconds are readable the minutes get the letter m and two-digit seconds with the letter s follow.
6h07m36s
